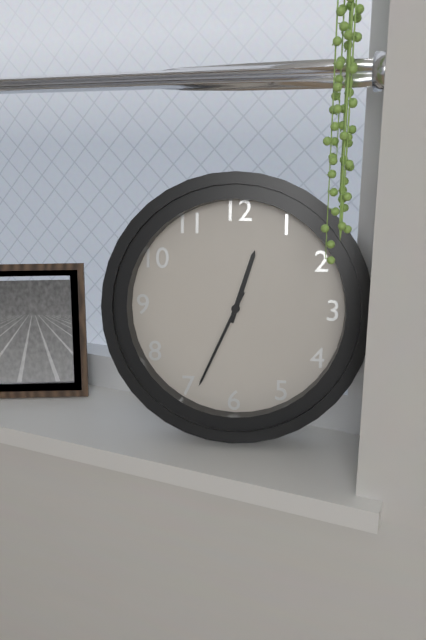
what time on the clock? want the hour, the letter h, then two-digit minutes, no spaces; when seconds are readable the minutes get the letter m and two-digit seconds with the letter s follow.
12h34
